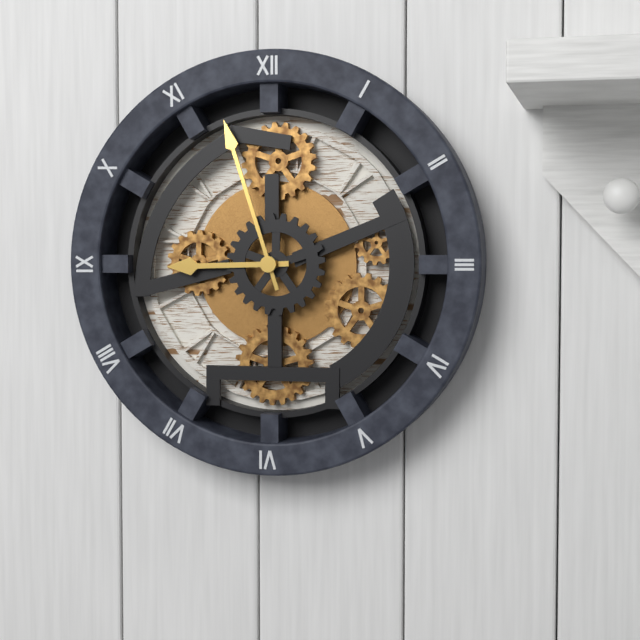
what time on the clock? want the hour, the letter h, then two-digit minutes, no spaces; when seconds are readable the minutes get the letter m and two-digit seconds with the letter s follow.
8h57
